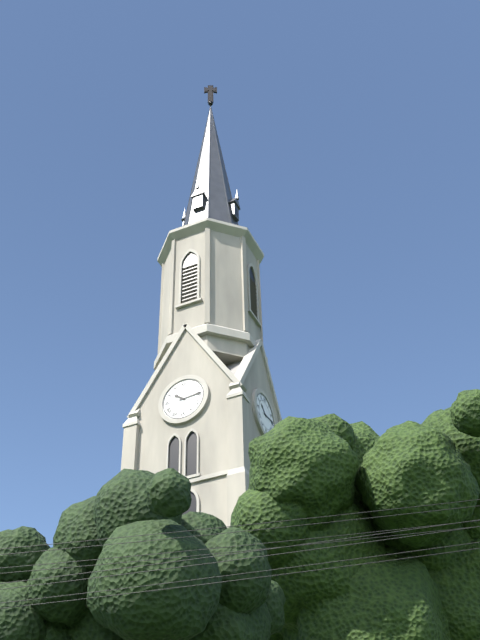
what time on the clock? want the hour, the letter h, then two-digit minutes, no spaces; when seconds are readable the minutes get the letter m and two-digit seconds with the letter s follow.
10h14
